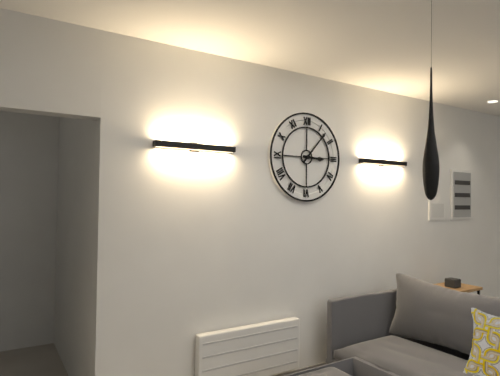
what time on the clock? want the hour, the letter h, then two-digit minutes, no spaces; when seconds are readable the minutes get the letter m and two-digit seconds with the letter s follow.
3h07
